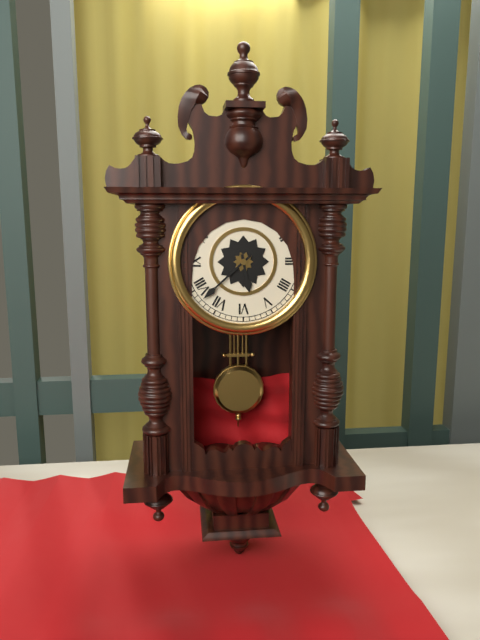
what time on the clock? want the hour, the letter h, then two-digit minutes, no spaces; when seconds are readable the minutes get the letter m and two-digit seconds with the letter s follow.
5h38
